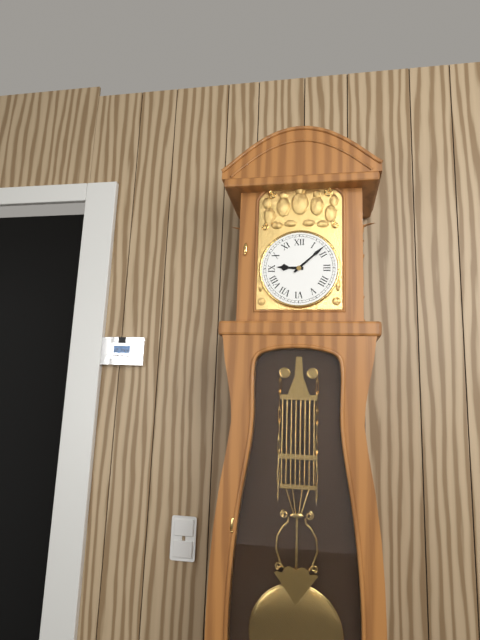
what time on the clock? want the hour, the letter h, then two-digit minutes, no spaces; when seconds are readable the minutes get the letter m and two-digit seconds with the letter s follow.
9h08
